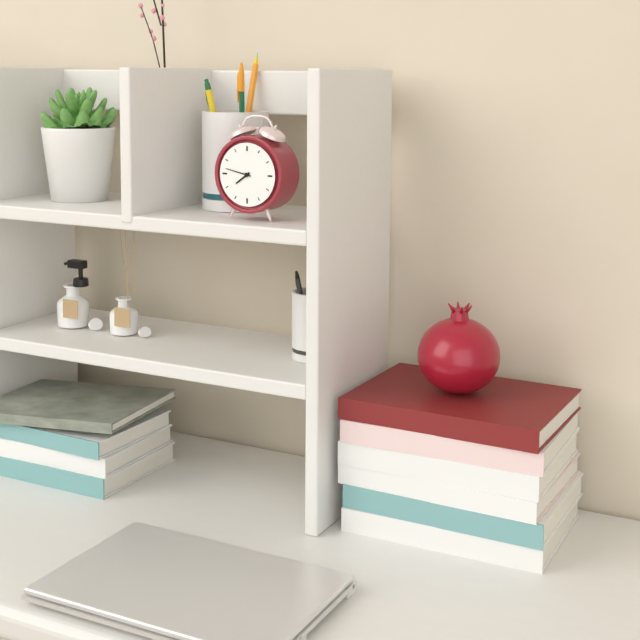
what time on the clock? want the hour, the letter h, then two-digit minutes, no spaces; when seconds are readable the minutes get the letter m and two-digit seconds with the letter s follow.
7h47
